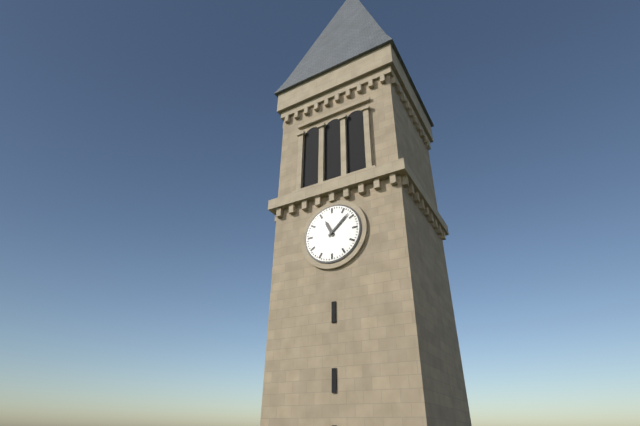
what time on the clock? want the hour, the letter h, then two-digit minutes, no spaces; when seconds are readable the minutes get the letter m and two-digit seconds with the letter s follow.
11h08
